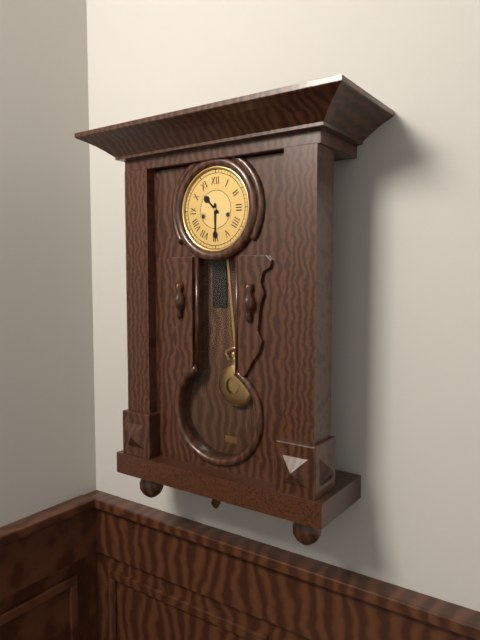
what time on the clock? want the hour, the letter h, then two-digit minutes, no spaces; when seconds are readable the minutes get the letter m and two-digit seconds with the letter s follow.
10h30
